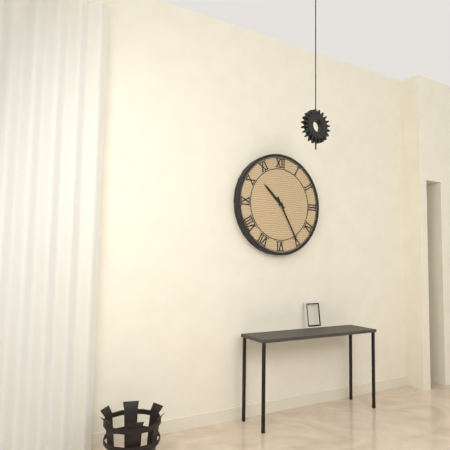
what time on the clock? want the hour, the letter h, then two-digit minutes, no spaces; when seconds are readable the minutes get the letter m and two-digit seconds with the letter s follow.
10h25
